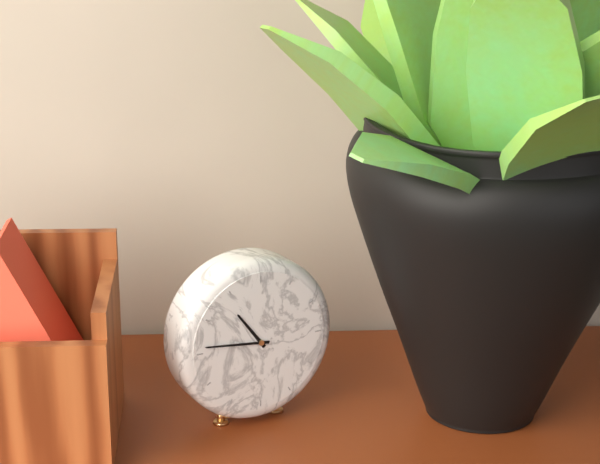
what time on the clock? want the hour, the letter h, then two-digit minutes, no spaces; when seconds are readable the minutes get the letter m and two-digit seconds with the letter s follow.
10h46
